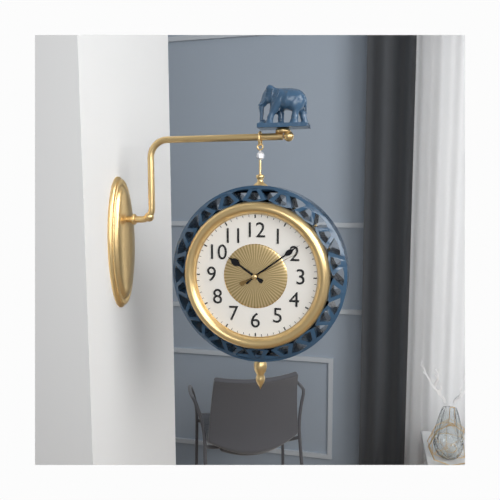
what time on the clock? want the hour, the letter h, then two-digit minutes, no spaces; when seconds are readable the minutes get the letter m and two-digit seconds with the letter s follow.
10h09m10s
